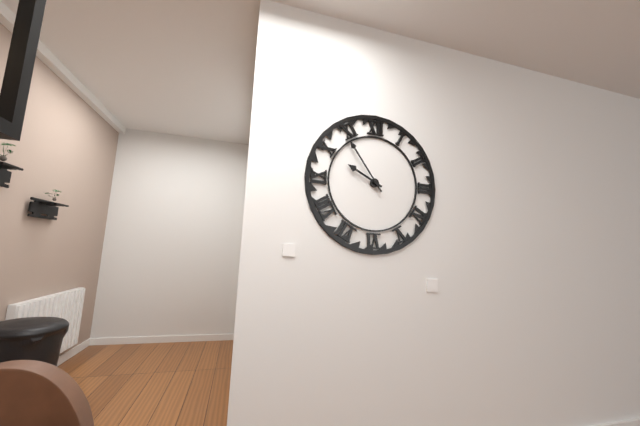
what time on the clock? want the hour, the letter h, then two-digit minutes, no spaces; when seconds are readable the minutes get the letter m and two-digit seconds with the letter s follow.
9h54
